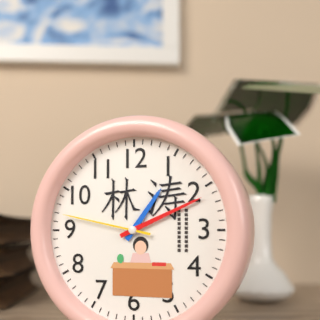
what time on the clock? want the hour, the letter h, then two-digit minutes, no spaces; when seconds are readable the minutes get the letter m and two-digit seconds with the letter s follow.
1h11m47s
